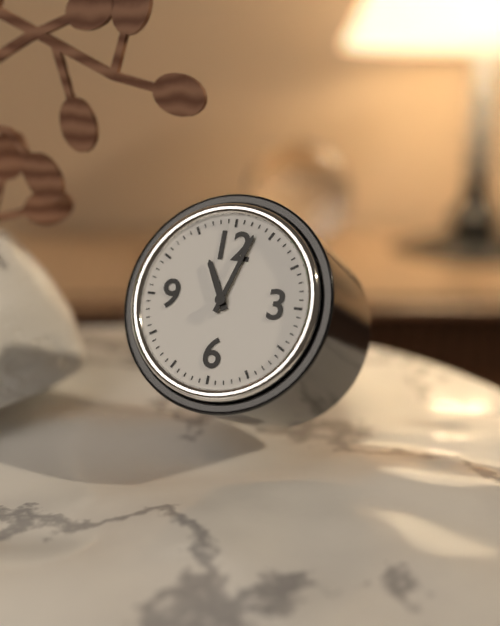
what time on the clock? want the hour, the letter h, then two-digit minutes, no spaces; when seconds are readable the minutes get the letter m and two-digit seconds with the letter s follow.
11h03
